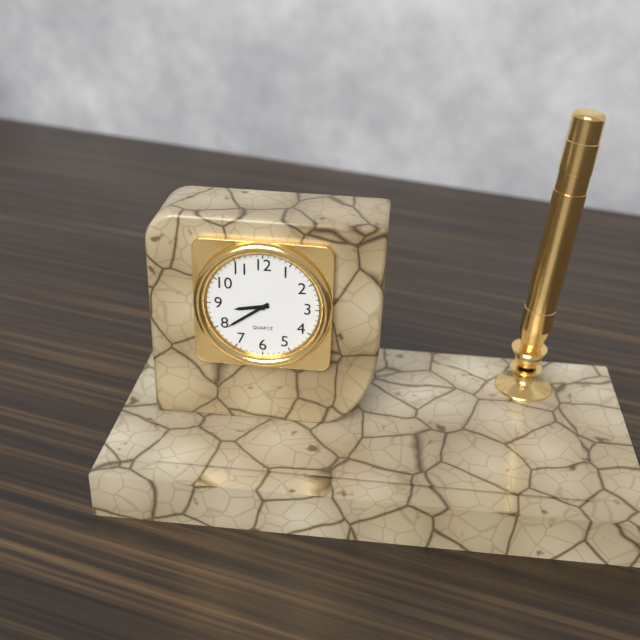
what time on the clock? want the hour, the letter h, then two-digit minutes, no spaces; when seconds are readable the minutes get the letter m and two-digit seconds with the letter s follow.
8h39
